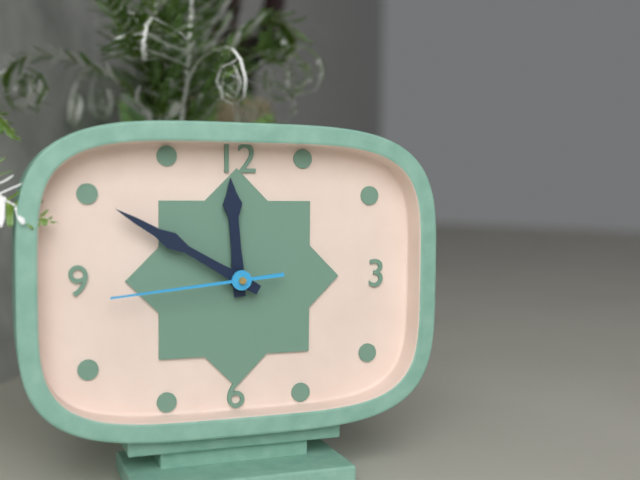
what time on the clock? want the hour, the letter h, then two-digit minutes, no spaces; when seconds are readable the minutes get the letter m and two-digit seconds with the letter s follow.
11h50m44s
